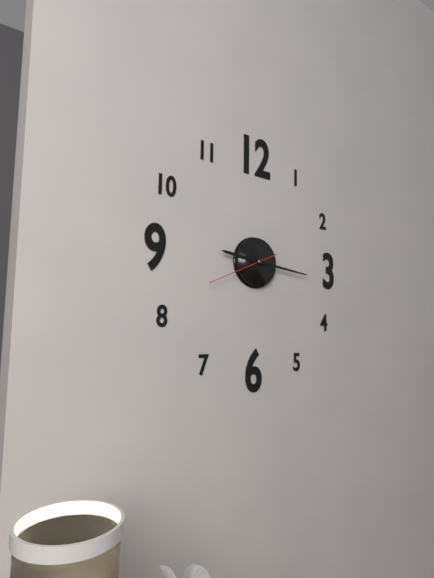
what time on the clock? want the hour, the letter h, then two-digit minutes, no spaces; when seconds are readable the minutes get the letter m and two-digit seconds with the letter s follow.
9h16m41s
